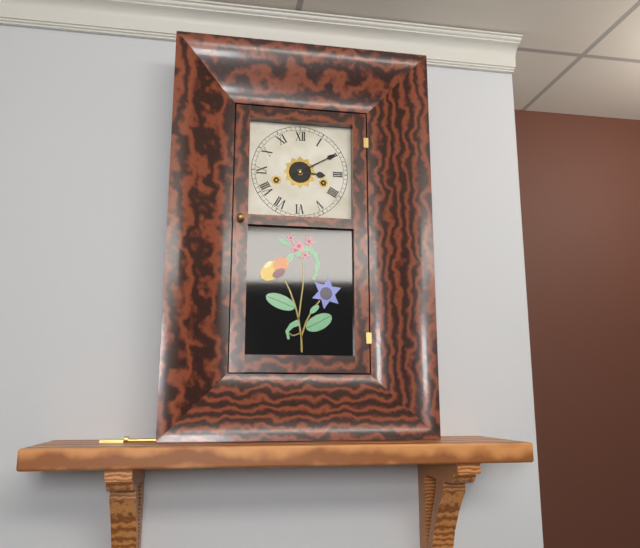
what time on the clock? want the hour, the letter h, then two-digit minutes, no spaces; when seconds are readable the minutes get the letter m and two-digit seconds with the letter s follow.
3h10
